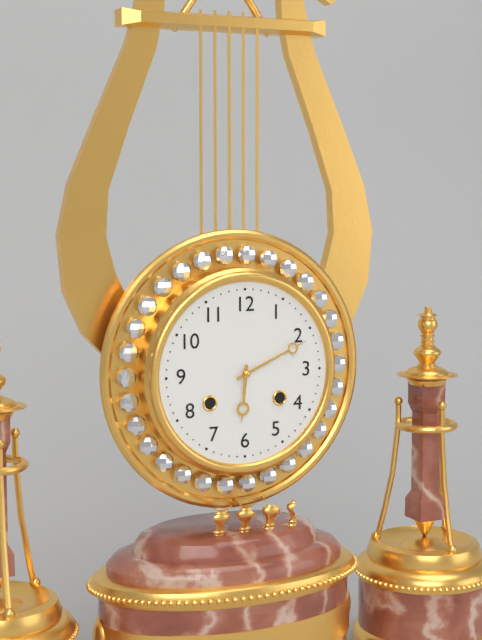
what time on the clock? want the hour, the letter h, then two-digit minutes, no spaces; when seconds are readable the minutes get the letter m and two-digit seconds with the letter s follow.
6h11
